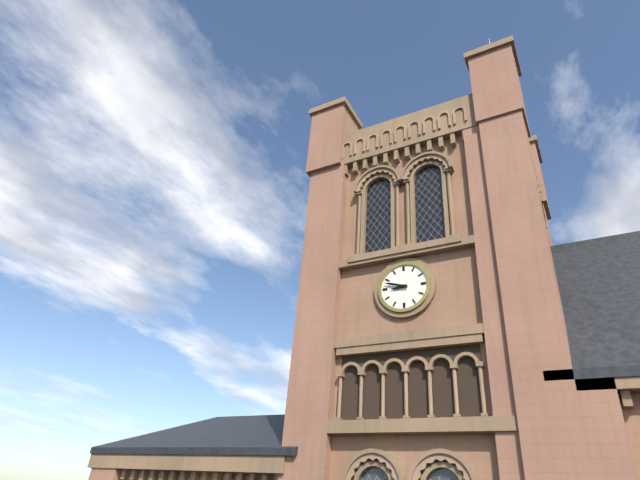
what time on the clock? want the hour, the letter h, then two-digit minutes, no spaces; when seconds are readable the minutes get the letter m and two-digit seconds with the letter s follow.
8h48
